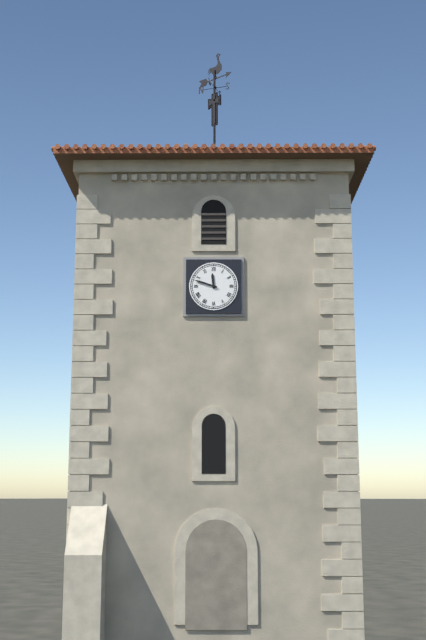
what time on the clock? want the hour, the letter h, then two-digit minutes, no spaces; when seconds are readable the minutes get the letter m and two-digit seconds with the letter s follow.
11h48
